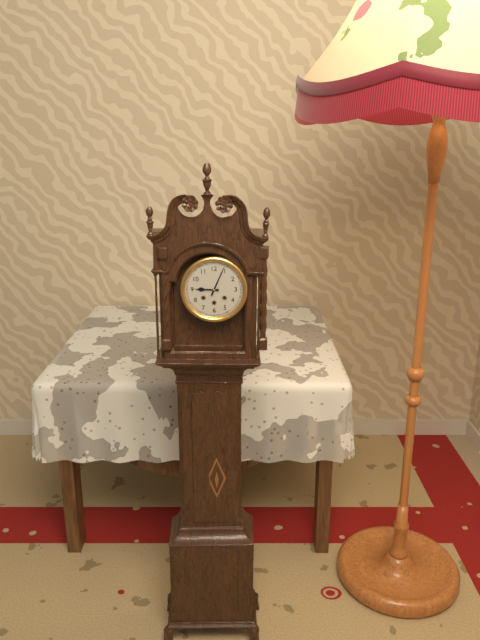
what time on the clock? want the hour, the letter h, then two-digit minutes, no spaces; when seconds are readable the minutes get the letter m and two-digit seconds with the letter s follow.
9h04
